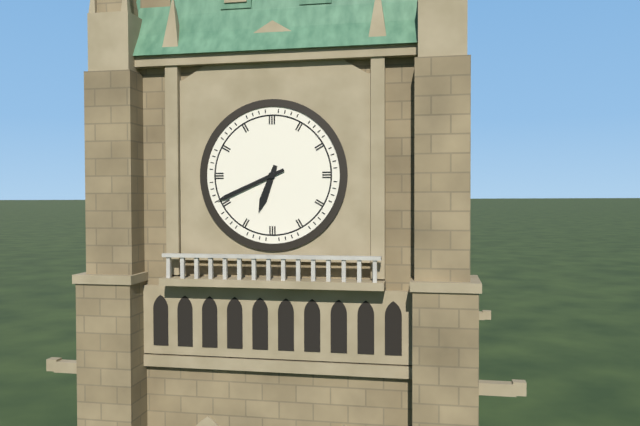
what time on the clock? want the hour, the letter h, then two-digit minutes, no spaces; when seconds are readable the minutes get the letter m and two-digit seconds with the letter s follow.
6h41
